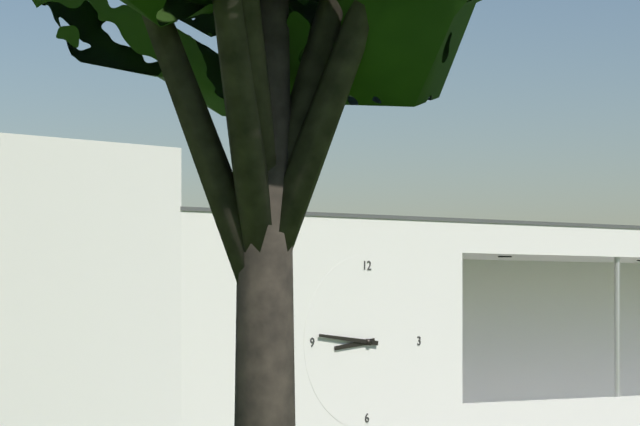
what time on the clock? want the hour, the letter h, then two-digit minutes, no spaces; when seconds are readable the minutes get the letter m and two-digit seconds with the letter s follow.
8h46
